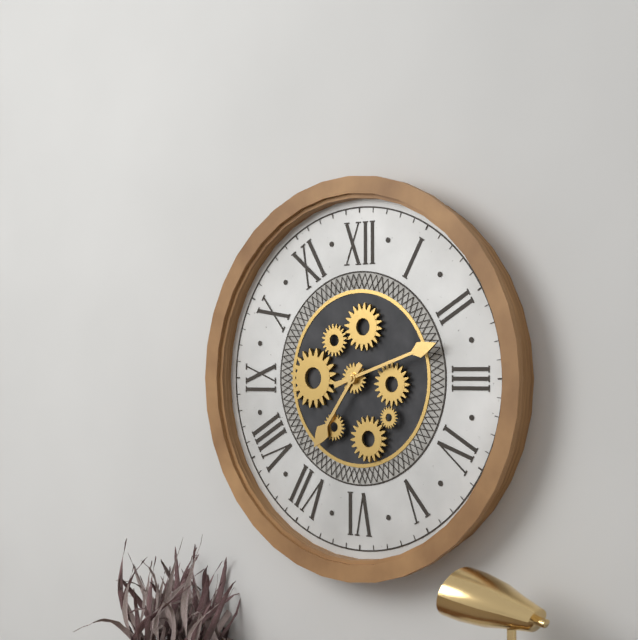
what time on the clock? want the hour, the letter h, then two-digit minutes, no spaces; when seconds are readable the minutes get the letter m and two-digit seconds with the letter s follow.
7h12
